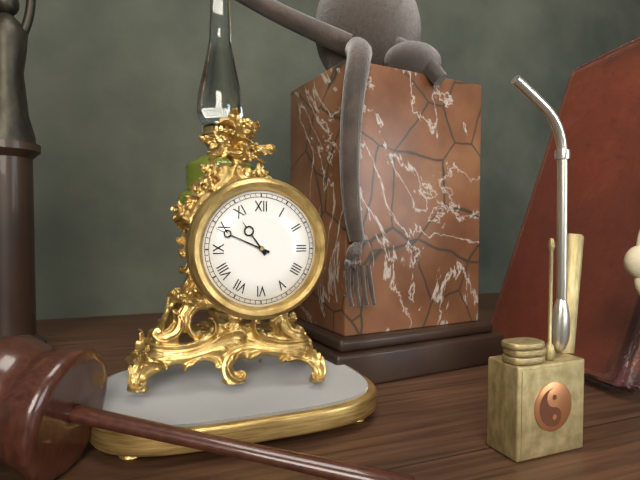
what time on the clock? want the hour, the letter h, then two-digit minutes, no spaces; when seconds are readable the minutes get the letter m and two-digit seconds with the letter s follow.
10h49
